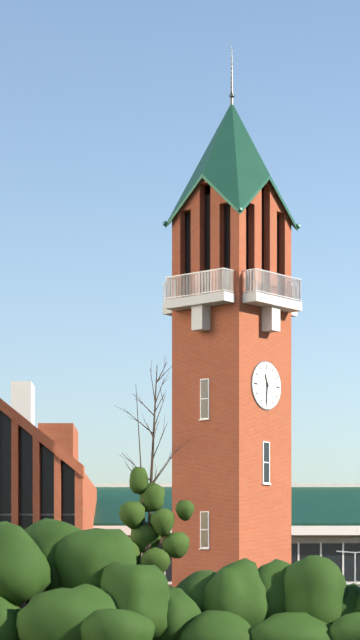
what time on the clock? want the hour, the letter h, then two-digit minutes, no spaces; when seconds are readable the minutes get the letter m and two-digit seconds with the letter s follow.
11h31
